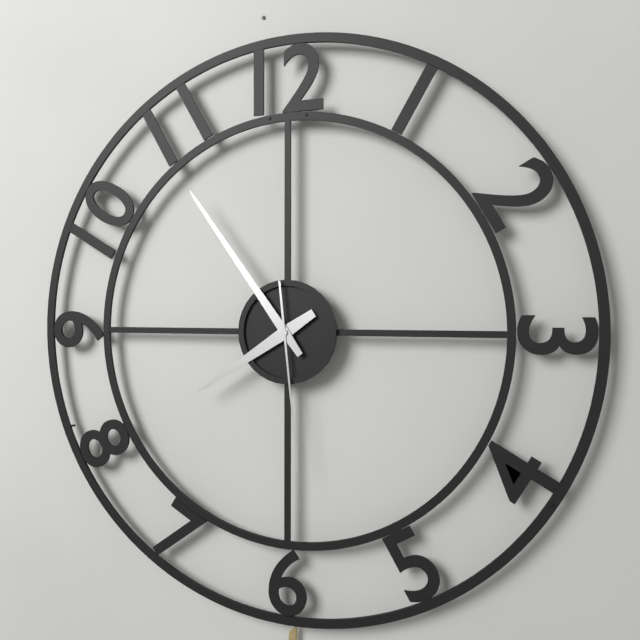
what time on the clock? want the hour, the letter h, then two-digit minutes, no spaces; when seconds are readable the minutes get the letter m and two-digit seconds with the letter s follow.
7h54m29s
